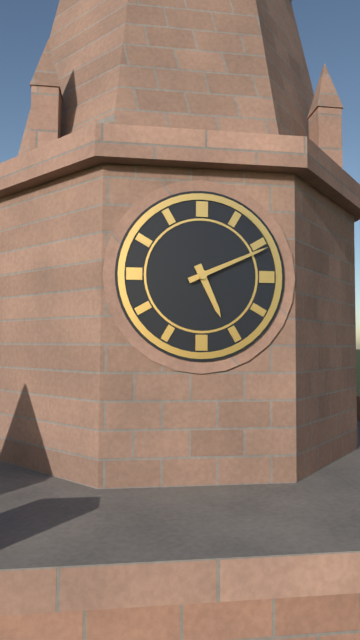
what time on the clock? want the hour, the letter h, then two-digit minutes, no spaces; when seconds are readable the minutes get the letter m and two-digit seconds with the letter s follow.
5h11
